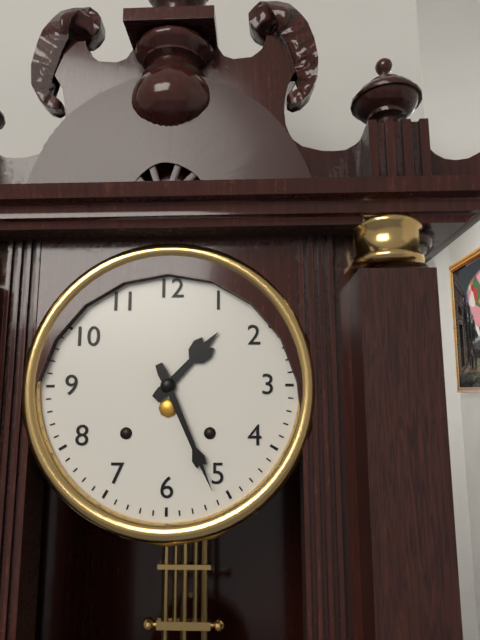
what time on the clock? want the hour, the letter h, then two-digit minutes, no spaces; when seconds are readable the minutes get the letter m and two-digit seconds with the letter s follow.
1h26
